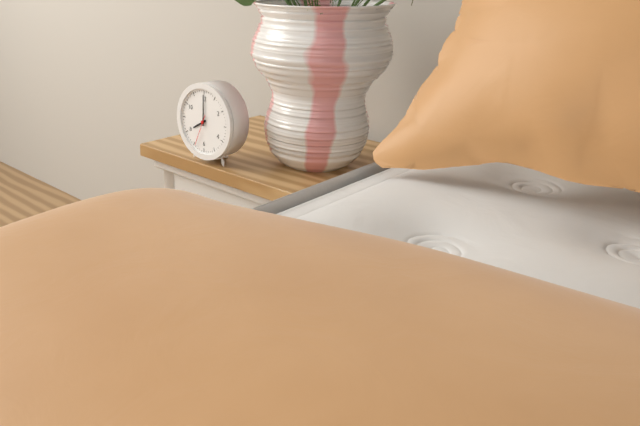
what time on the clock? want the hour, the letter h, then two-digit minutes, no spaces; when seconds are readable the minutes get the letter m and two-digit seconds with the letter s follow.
8h00
